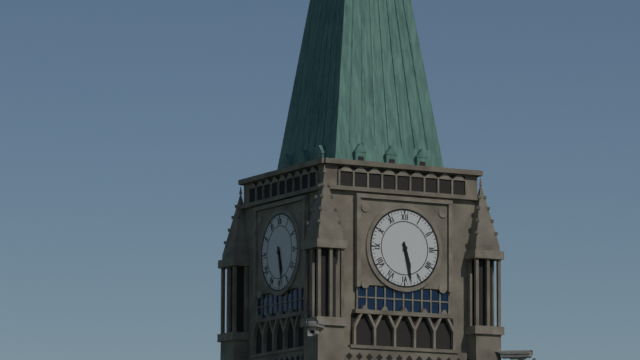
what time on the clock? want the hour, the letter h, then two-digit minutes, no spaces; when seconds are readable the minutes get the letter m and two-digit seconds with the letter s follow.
5h28
